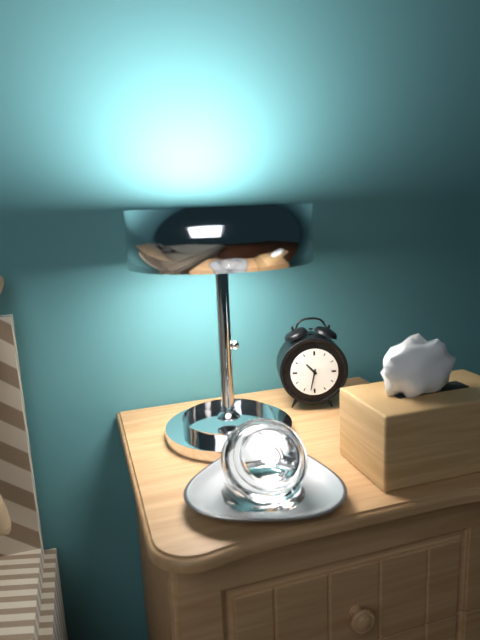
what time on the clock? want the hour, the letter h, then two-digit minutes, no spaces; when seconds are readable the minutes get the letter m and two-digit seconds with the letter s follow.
10h32
